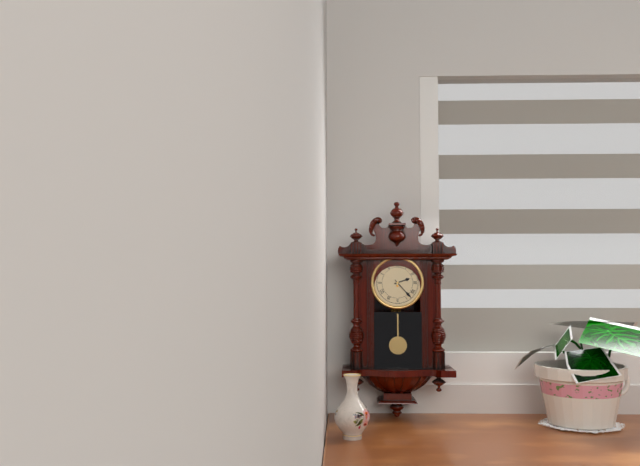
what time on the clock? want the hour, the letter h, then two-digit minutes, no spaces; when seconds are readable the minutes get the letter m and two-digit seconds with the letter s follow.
2h23
